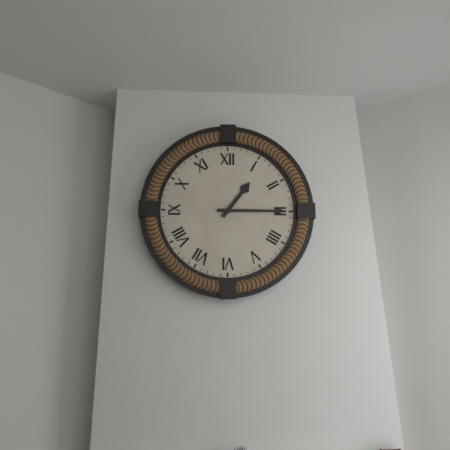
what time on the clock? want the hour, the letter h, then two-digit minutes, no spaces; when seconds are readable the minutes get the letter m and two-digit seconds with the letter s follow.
1h15
